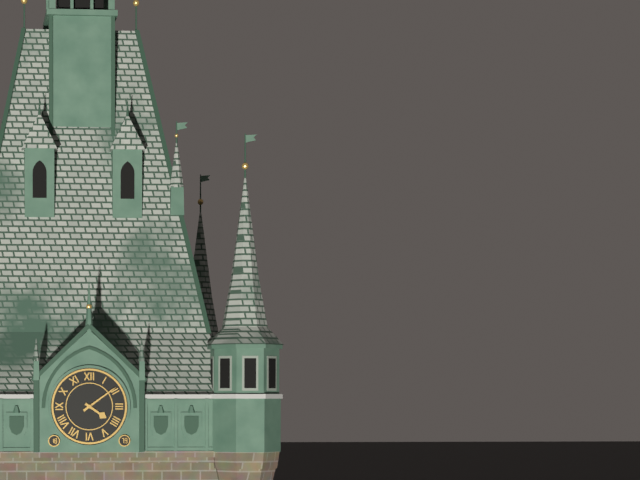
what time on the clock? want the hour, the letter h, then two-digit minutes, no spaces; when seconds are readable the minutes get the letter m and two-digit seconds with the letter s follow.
4h09
